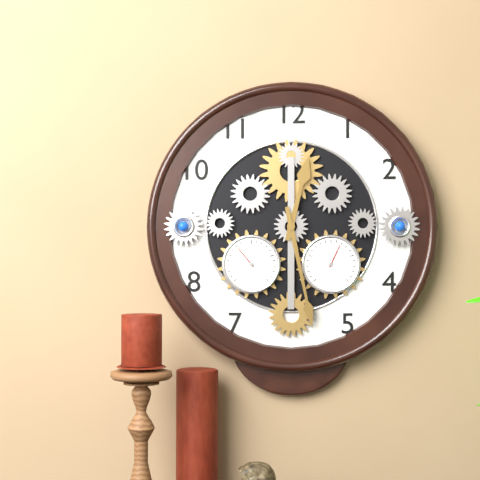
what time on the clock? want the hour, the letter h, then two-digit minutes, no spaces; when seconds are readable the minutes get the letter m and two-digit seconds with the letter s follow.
12h28
